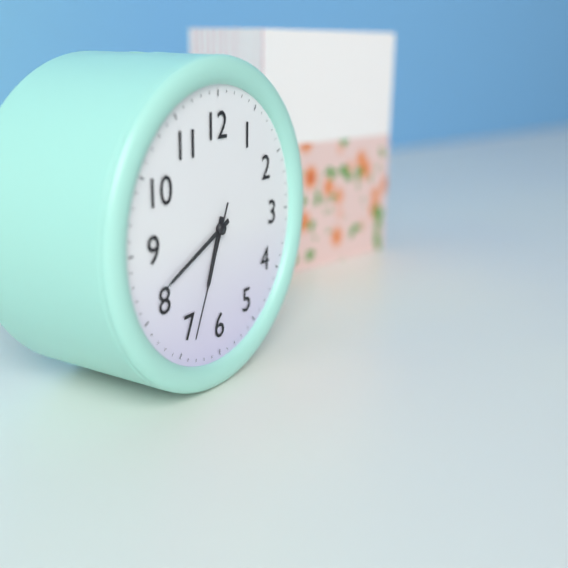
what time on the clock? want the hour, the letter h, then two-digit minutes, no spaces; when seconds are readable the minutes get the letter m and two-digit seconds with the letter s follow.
6h41m34s
